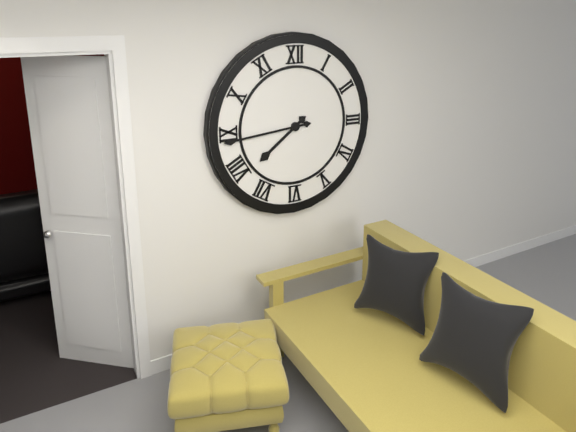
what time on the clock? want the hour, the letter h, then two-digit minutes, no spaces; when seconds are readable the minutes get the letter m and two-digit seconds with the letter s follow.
7h44
